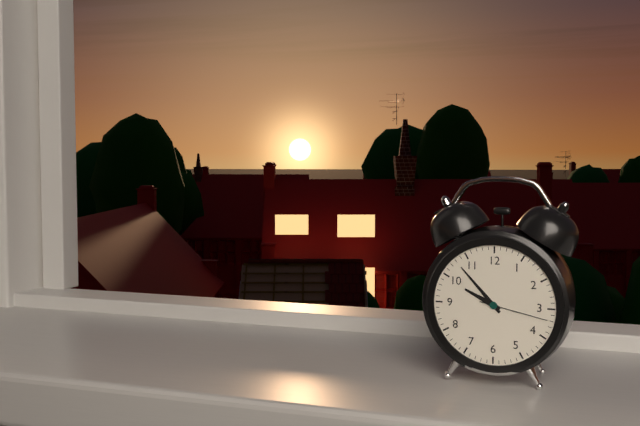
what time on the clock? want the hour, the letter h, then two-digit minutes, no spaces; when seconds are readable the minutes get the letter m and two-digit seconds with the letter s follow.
9h53m17s
